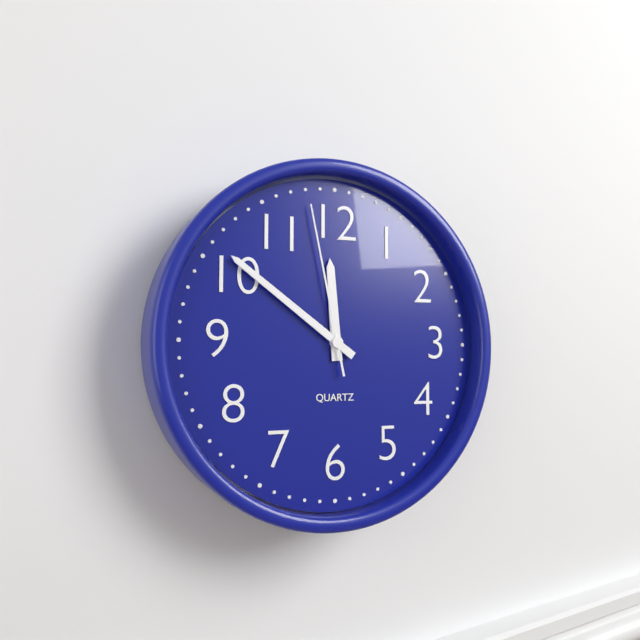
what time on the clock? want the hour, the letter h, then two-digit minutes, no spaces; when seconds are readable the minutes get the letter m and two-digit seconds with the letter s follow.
11h51m58s
